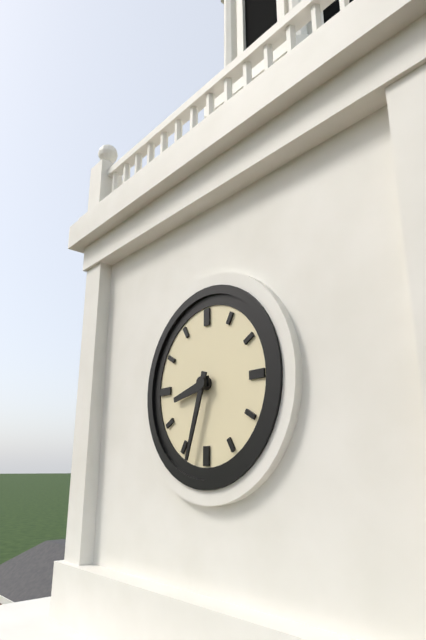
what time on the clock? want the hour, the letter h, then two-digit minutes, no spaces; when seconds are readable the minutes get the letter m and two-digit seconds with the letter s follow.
8h33
